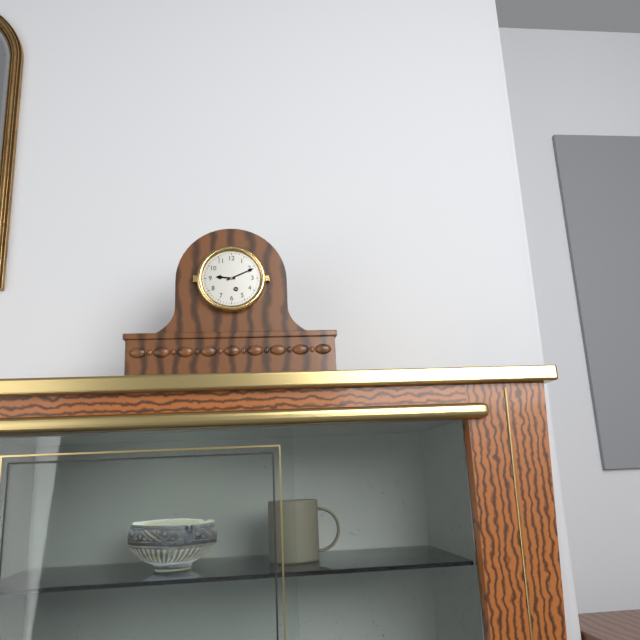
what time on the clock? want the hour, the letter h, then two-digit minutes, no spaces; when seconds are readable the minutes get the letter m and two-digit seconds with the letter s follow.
9h11
